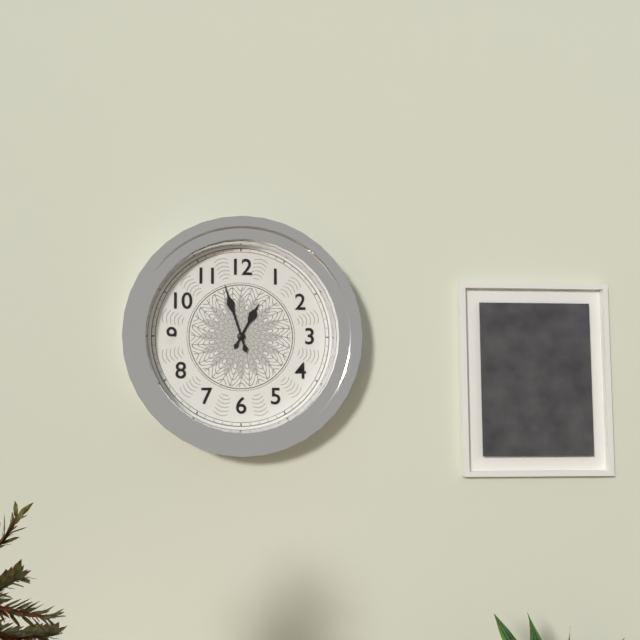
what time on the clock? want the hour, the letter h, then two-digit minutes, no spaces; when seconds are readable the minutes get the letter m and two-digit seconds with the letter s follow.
12h57
